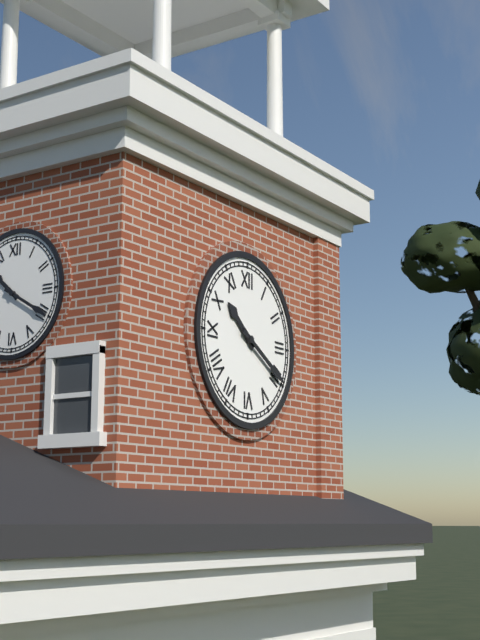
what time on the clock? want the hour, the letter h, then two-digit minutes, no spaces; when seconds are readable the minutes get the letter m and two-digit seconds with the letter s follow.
10h20
